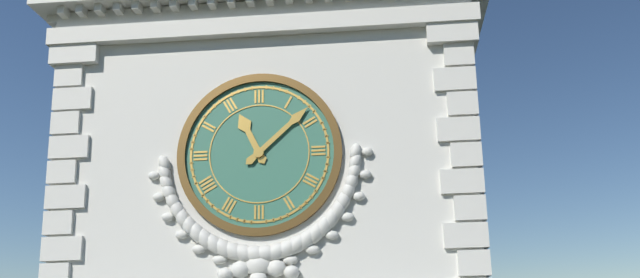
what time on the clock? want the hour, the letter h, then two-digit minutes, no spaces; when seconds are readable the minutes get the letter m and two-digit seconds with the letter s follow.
11h08
